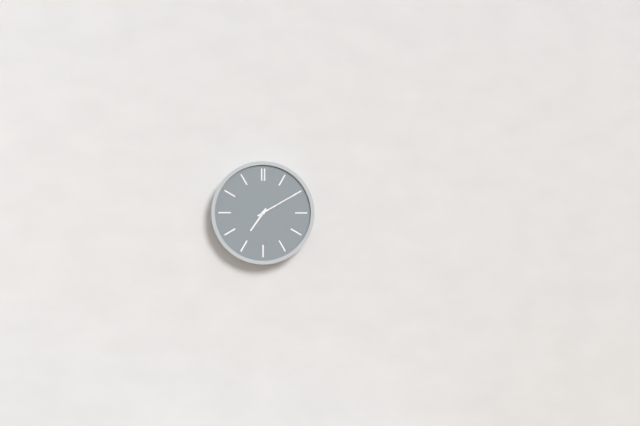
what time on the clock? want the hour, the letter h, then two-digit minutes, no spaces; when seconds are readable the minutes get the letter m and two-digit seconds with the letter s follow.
7h10
